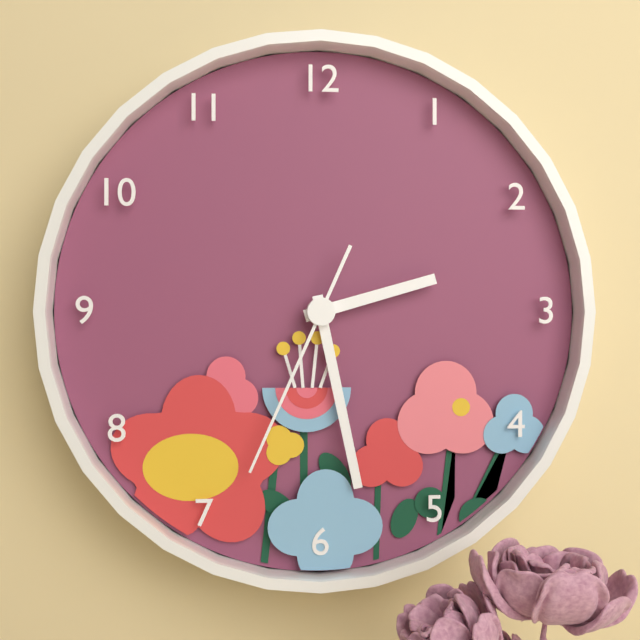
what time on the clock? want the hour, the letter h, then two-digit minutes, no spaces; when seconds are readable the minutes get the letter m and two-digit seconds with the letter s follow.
2h28m34s
